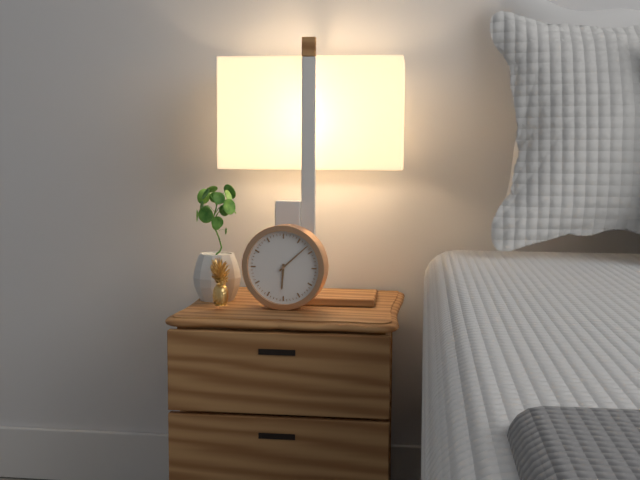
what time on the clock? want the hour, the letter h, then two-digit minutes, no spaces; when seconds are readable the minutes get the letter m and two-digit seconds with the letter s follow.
6h08
